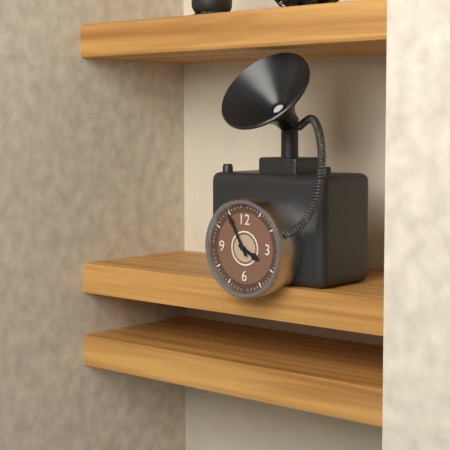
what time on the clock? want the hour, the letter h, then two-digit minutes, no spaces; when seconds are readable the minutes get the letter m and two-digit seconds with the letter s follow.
3h55
